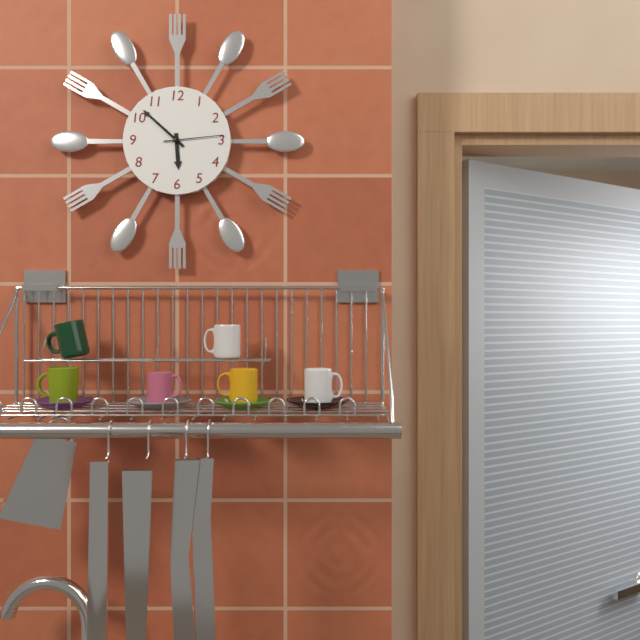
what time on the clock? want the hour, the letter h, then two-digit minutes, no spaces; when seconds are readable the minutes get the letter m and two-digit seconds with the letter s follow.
5h52m14s
